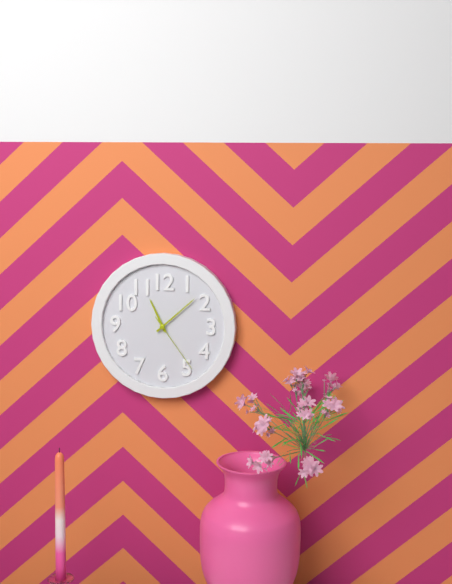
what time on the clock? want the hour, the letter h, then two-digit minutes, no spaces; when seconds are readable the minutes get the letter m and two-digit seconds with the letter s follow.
11h08m24s
